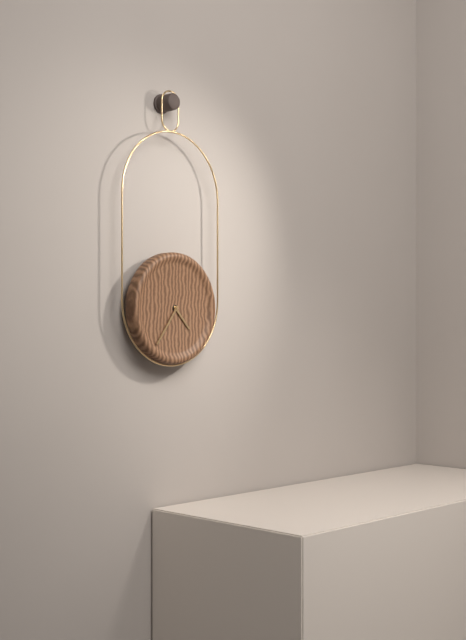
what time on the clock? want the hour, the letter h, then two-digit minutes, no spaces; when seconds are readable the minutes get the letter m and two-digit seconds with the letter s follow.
4h36
